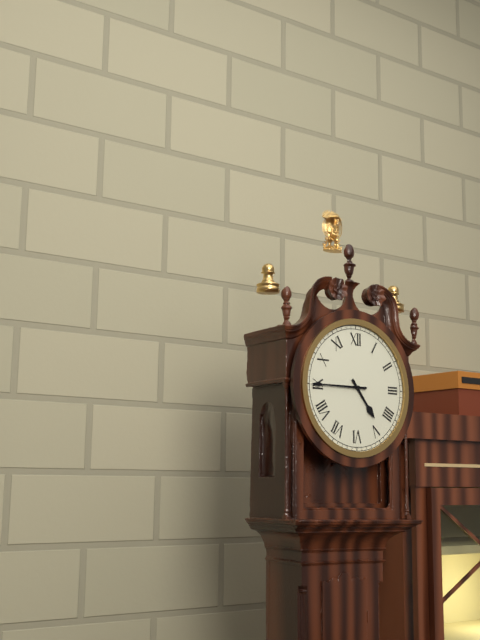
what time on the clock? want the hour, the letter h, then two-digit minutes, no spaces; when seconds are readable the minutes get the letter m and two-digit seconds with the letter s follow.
4h45
